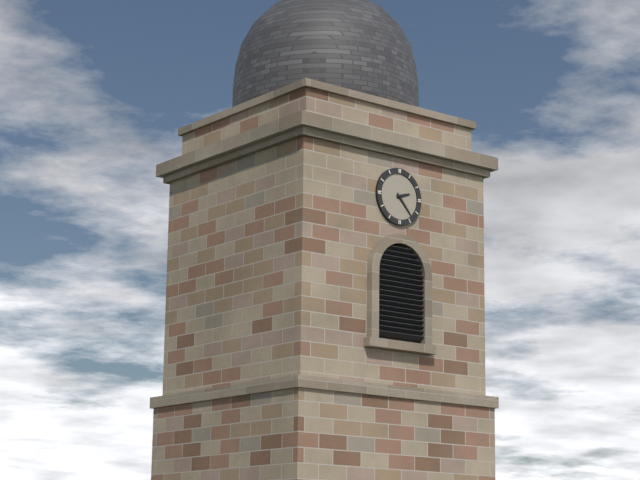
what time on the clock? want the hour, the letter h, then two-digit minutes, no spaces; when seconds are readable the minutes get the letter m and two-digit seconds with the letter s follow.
2h23
